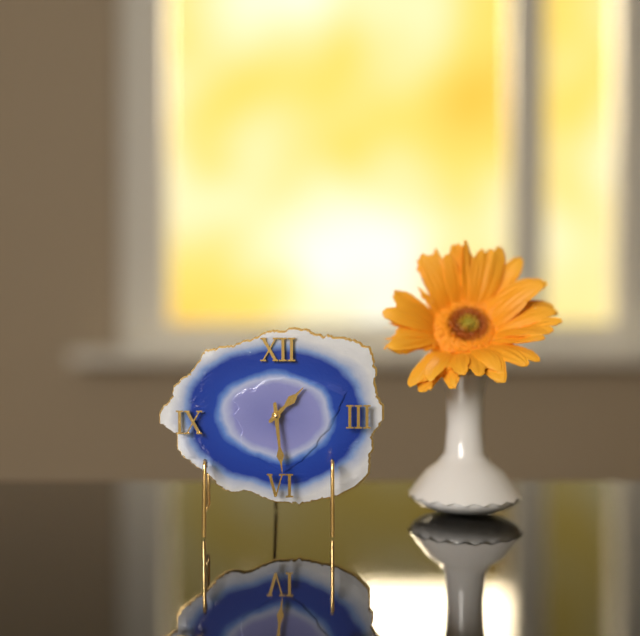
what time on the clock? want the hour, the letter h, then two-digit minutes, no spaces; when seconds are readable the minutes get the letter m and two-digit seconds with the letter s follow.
1h29
